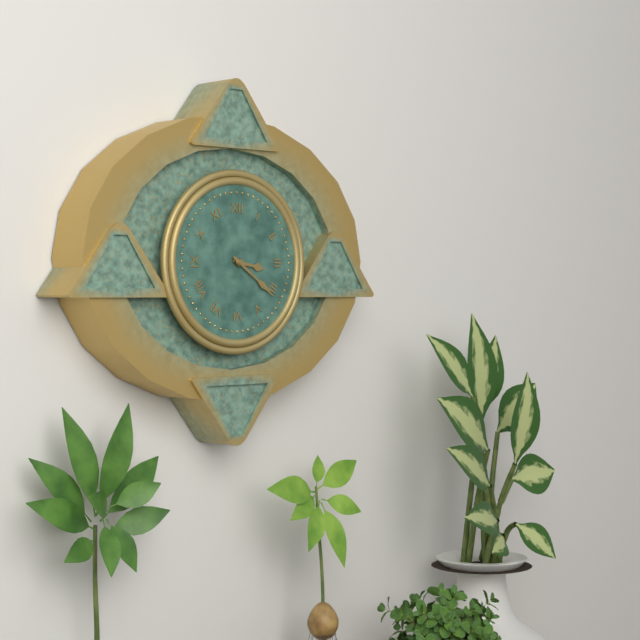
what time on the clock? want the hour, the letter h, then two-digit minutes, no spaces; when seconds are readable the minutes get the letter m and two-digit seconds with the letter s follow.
3h21
